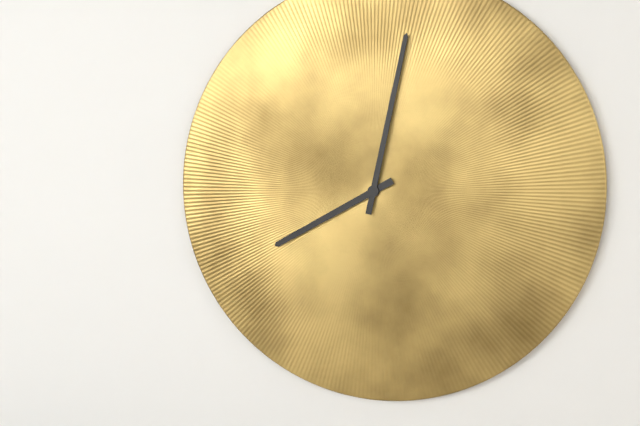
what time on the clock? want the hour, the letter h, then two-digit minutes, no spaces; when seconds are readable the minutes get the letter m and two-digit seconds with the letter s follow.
8h02
